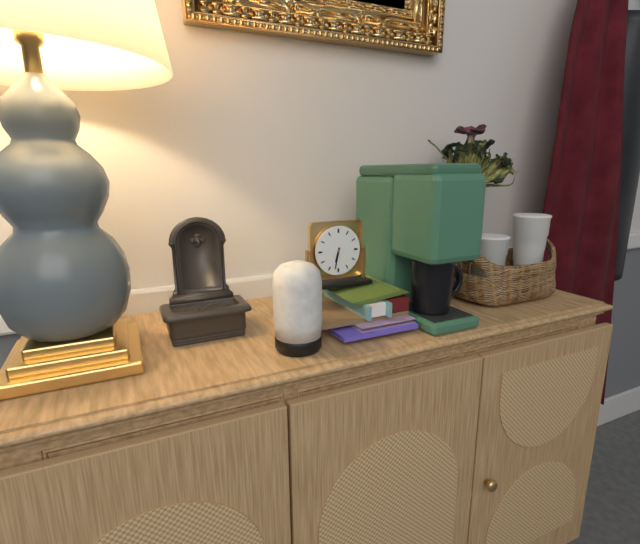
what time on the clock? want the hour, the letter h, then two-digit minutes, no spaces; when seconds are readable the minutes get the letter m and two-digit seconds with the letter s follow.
6h32
